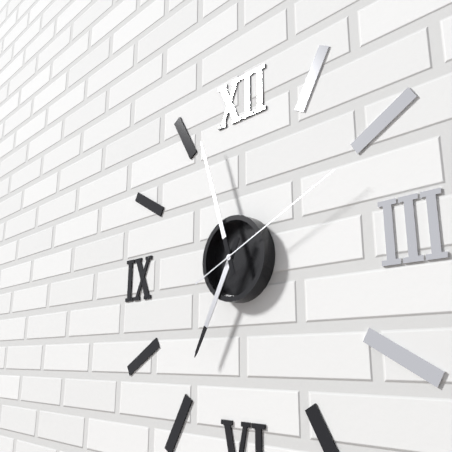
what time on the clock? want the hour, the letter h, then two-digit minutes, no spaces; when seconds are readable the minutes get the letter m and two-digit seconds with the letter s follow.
6h57m11s
